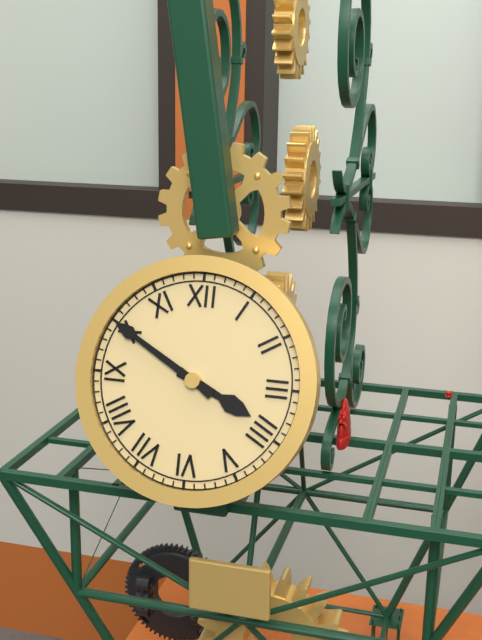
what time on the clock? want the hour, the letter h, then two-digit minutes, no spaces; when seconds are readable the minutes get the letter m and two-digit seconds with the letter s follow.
3h50
